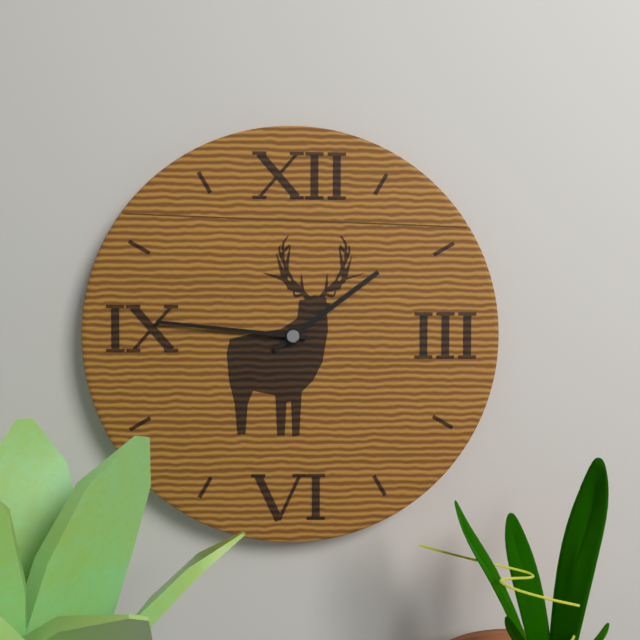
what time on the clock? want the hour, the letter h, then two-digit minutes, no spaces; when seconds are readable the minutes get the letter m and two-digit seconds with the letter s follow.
1h46
